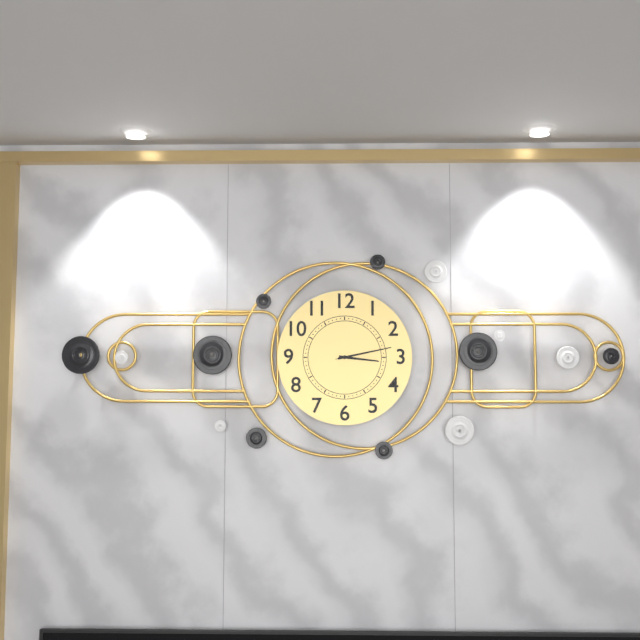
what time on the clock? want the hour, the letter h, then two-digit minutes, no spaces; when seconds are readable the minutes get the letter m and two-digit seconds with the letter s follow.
3h13m13s
